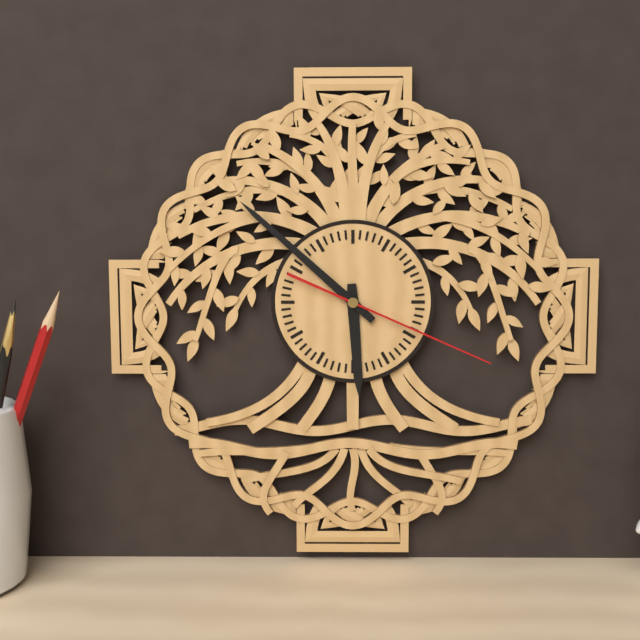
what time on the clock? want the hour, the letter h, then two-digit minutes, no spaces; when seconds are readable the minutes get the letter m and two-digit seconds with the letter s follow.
5h52m19s
